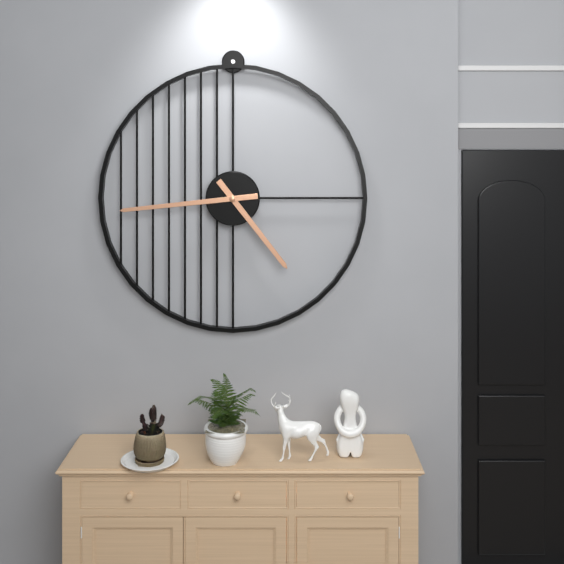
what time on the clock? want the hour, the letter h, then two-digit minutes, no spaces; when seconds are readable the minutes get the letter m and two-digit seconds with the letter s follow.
4h44
